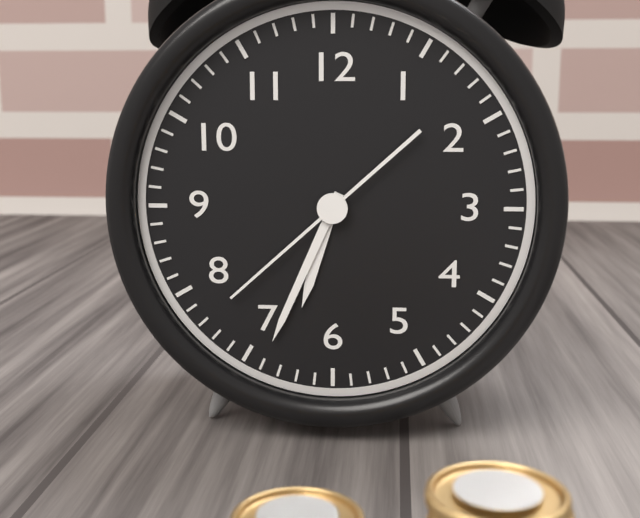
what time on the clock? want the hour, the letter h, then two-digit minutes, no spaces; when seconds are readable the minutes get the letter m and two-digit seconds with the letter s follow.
6h34m38s
